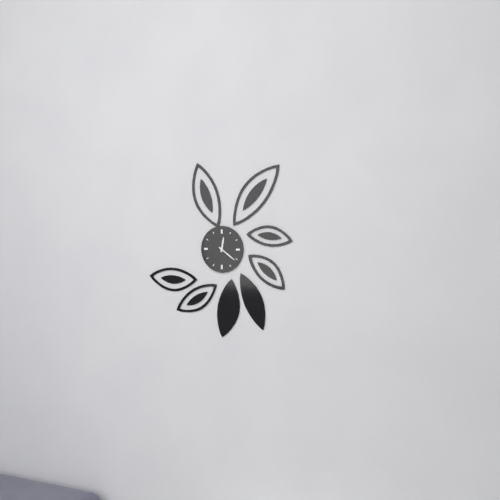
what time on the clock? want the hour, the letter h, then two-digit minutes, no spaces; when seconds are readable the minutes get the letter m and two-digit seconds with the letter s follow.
12h21
